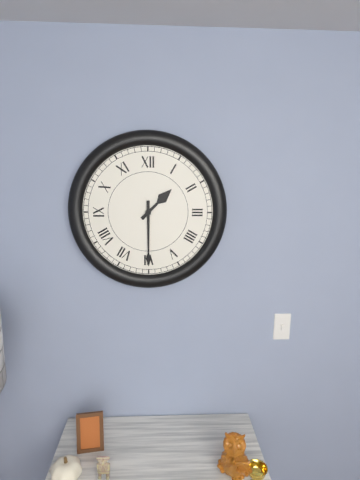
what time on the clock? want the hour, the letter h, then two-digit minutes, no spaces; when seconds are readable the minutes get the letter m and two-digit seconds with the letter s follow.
1h30
